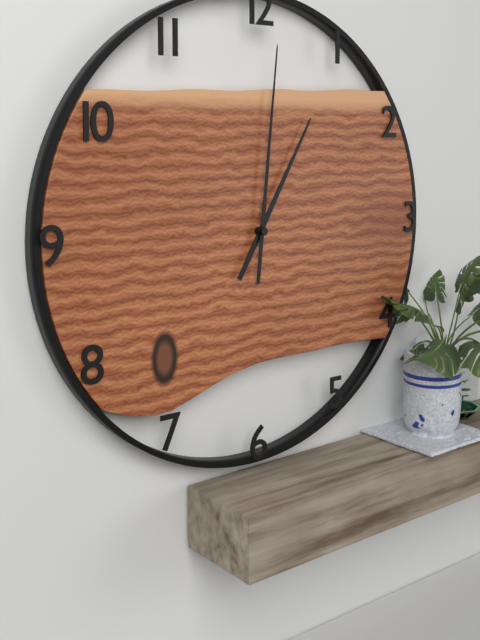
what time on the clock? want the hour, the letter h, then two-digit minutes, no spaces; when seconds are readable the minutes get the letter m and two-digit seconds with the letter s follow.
1h01
